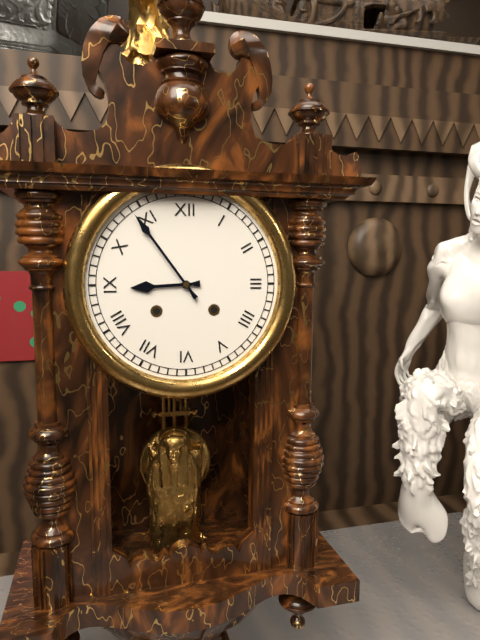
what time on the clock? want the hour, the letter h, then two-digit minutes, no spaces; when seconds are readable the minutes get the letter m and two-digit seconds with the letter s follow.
8h54
